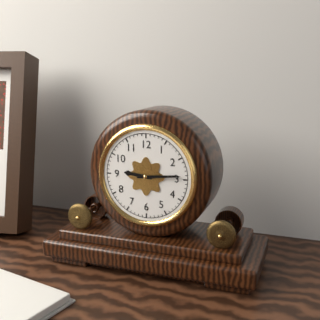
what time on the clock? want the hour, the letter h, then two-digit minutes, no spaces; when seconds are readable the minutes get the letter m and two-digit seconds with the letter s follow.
9h14
